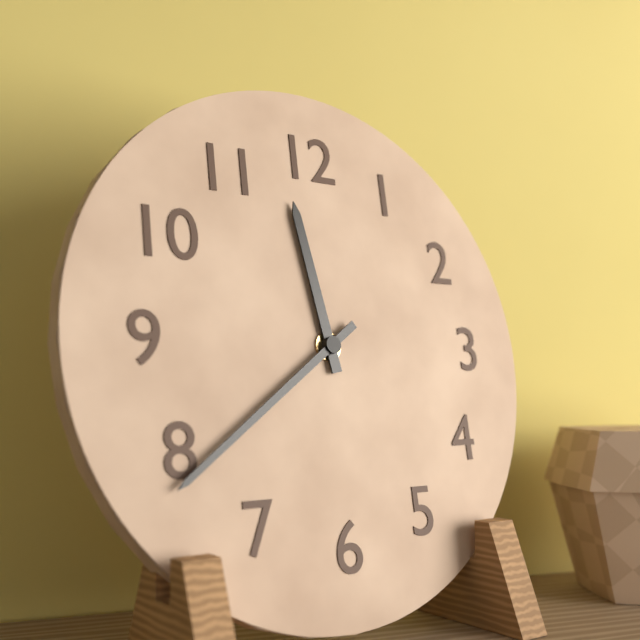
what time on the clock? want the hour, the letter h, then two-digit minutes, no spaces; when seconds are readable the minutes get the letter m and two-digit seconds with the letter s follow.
11h39
